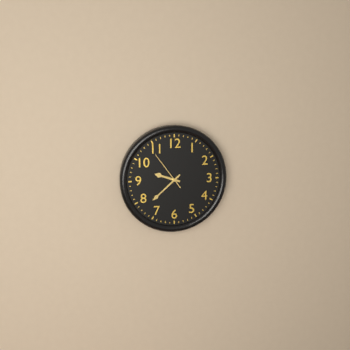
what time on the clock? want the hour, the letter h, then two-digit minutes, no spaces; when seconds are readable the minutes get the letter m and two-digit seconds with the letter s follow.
9h38
